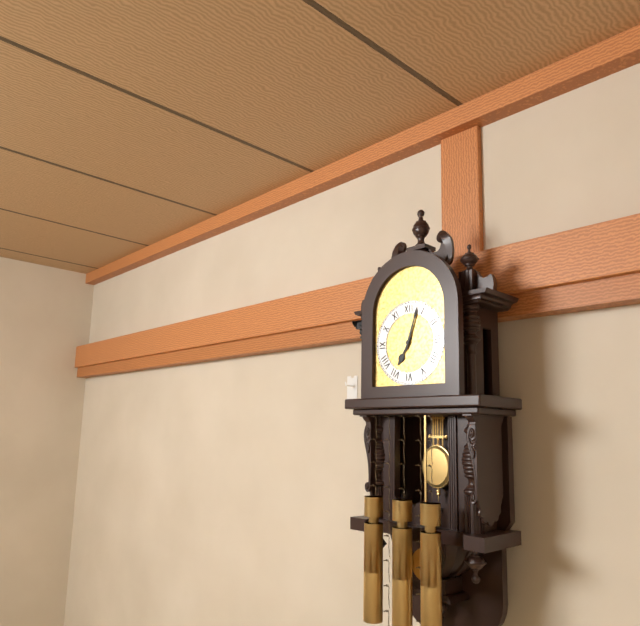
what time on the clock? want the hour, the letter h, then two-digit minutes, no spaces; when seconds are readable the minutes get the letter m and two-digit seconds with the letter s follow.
7h03
